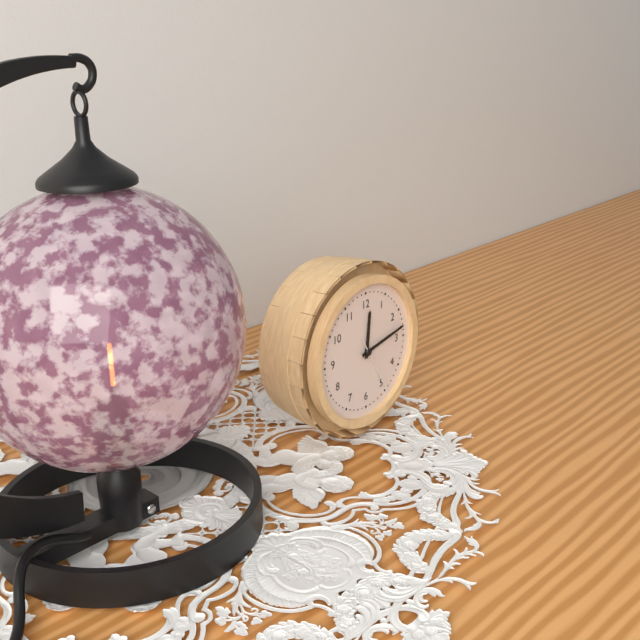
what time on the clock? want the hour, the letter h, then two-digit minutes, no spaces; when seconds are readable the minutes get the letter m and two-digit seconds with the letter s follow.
12h13m25s
